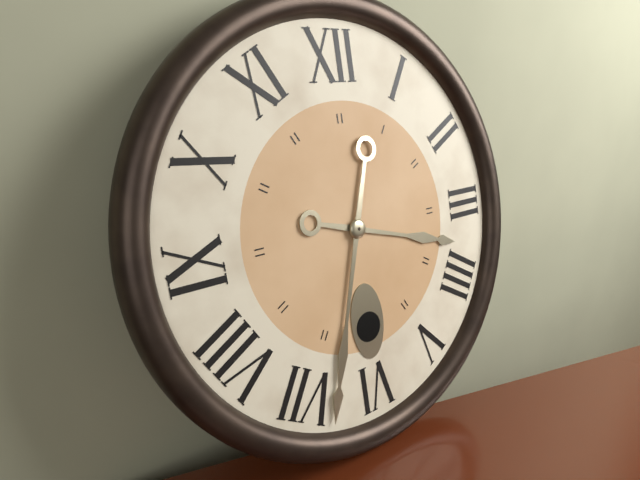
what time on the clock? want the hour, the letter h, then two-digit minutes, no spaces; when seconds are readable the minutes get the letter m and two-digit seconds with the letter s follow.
3h33
